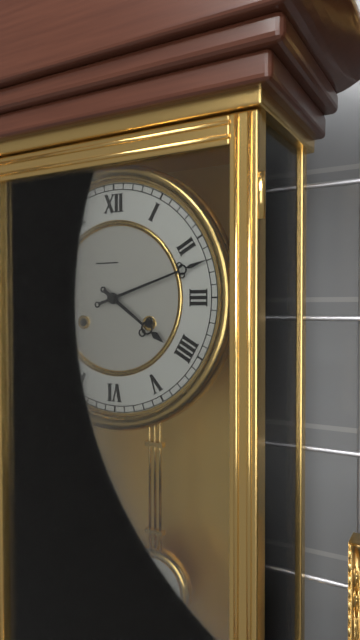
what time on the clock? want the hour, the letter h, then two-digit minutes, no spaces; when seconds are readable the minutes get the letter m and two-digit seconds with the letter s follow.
4h12
